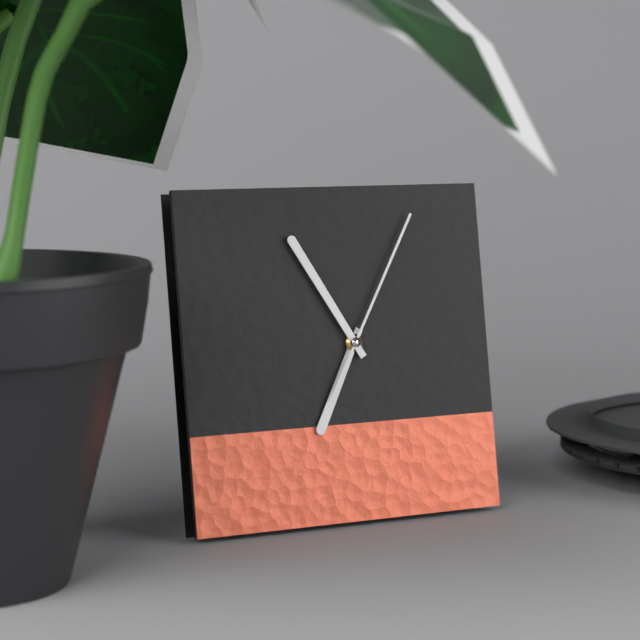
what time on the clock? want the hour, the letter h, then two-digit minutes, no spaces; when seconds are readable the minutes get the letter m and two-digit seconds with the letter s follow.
6h55m05s
